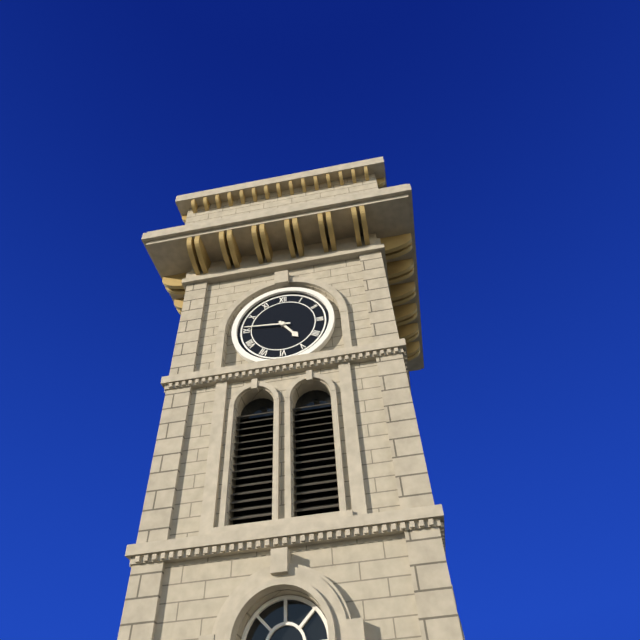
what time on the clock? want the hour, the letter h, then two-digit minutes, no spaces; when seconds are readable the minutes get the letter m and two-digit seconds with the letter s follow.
4h46
